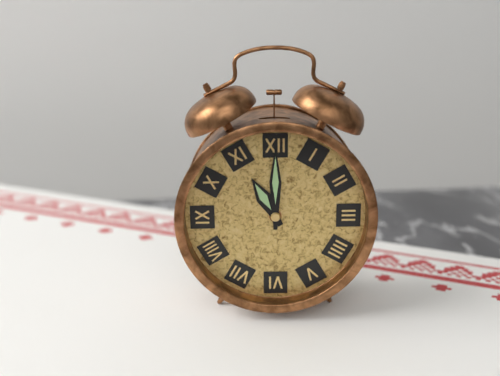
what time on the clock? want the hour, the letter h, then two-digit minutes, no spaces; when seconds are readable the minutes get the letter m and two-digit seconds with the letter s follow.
11h00
